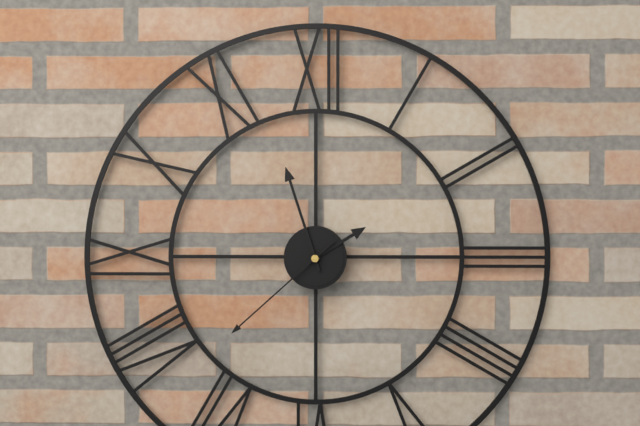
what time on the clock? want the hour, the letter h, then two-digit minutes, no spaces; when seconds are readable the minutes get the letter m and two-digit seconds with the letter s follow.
1h57m38s
